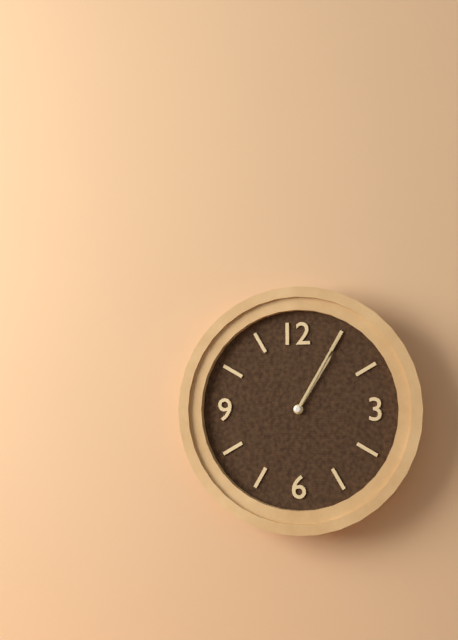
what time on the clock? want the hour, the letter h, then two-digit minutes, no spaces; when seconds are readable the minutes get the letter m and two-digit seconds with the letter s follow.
1h05
